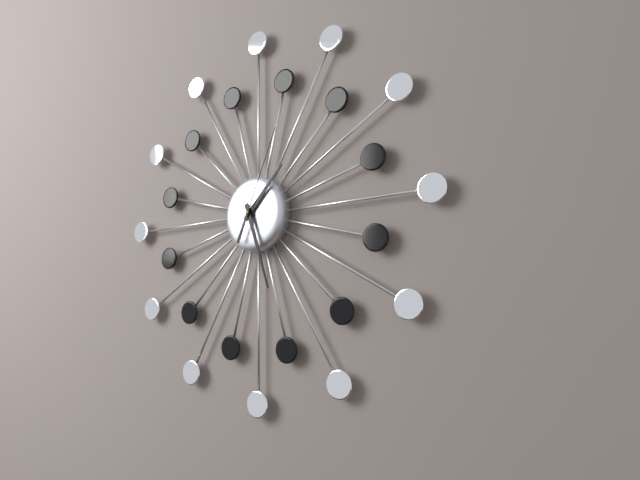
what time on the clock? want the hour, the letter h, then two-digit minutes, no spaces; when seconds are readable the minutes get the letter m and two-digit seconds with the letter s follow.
1h27m04s
